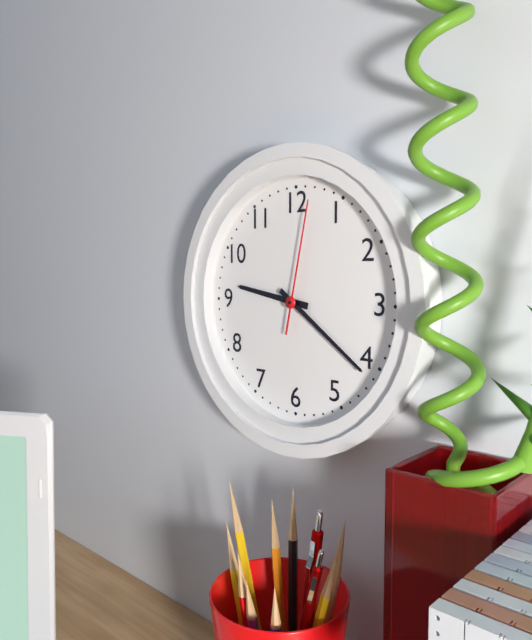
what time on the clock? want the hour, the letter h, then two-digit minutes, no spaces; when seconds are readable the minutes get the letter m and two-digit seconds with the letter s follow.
9h21m02s
